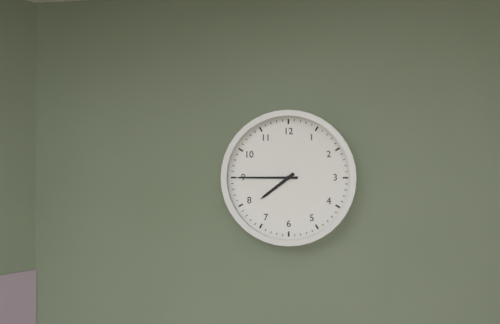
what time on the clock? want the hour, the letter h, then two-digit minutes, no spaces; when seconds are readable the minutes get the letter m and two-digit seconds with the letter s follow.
7h45
